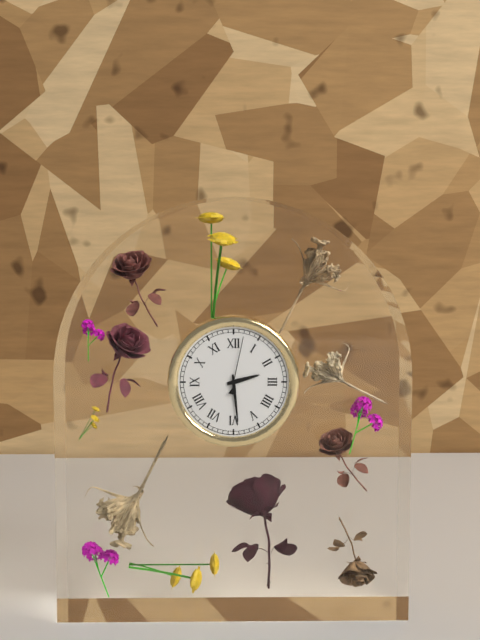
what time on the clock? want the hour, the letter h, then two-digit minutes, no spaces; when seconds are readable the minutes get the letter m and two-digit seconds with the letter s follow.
2h29m02s
